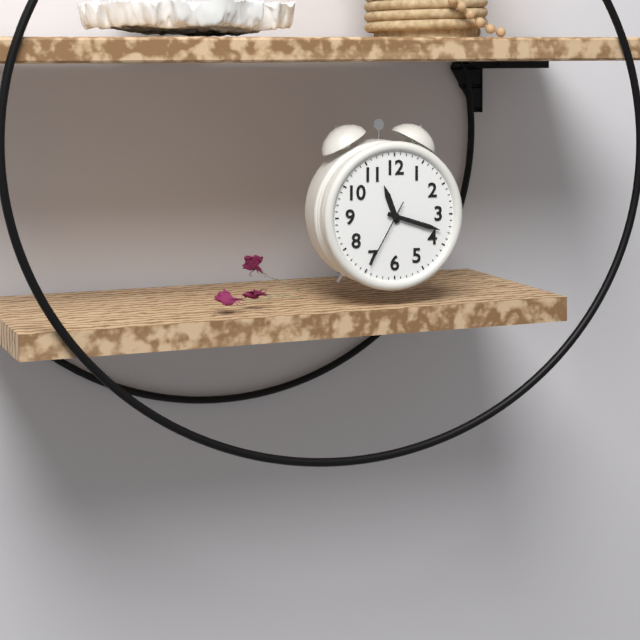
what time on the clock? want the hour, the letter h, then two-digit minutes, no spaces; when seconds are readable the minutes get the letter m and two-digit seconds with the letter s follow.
11h18m35s
